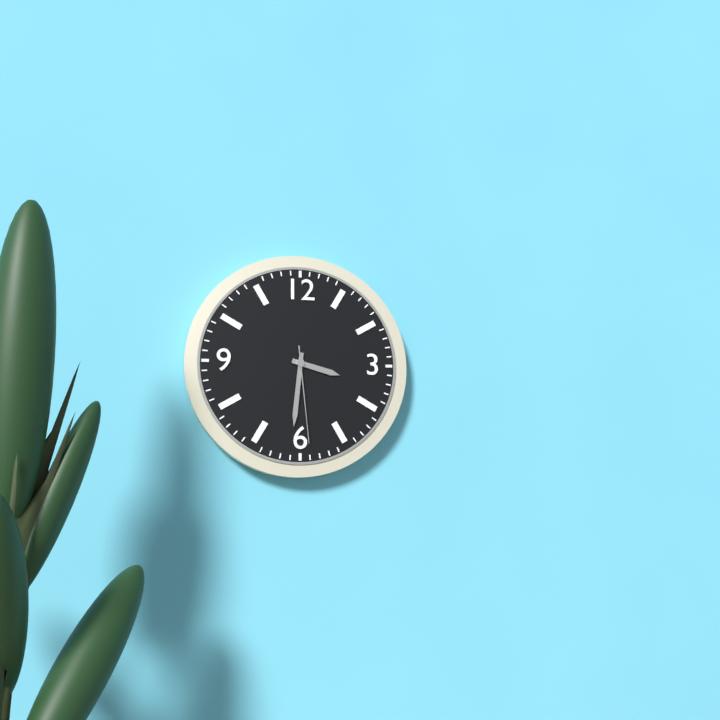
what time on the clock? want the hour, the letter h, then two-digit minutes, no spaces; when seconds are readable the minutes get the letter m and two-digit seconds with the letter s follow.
3h31m29s
